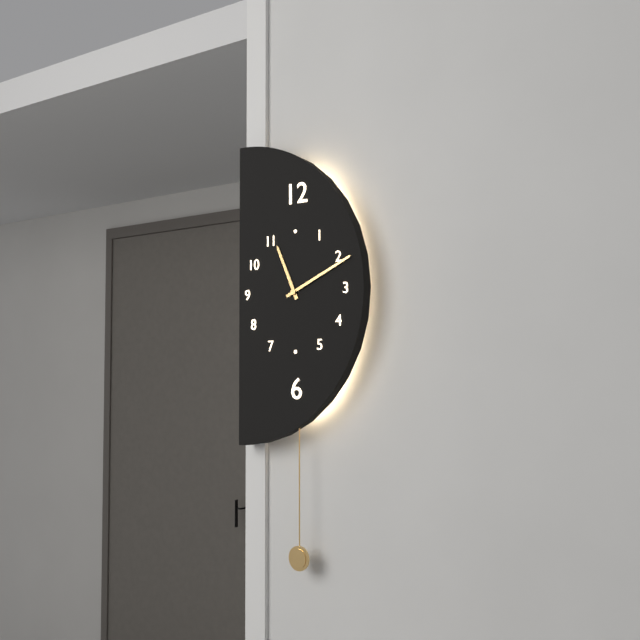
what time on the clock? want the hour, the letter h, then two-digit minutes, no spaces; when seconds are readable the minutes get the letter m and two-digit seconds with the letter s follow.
11h11
